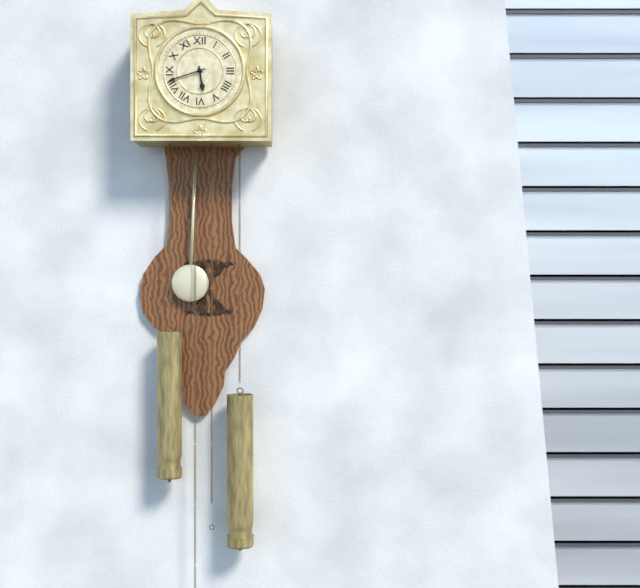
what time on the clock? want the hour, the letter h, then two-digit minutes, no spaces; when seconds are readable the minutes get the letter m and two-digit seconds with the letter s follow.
5h42
